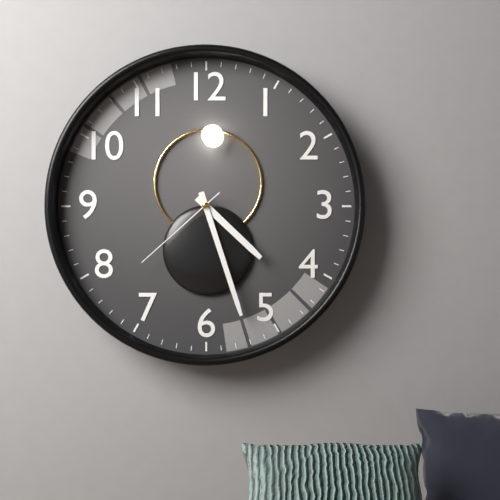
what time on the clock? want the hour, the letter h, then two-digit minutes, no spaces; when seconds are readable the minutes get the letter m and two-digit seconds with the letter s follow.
4h27m38s
